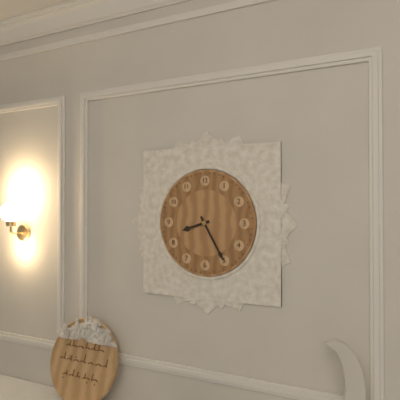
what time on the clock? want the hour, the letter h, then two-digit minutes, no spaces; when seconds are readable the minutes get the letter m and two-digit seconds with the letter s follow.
8h25
